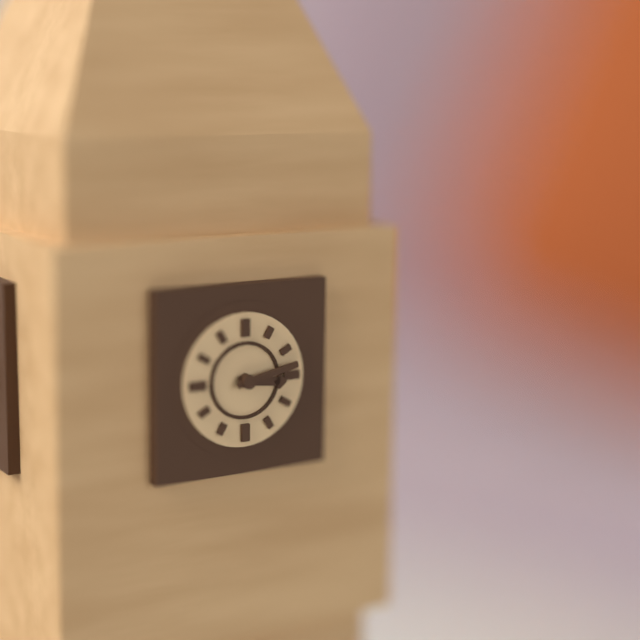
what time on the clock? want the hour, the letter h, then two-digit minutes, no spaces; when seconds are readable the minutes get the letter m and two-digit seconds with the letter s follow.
3h13
